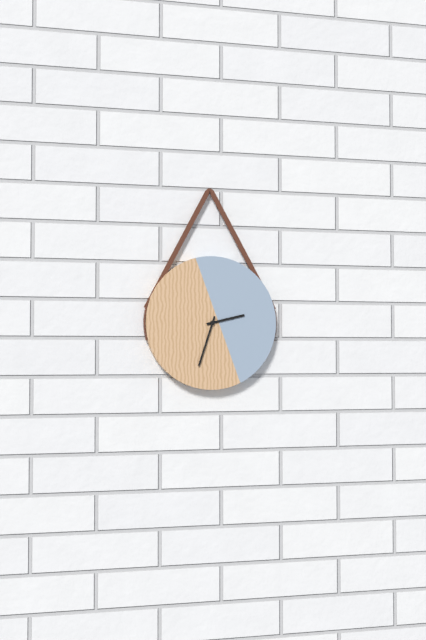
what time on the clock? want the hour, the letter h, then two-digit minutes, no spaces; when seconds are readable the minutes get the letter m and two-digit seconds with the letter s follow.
2h33
